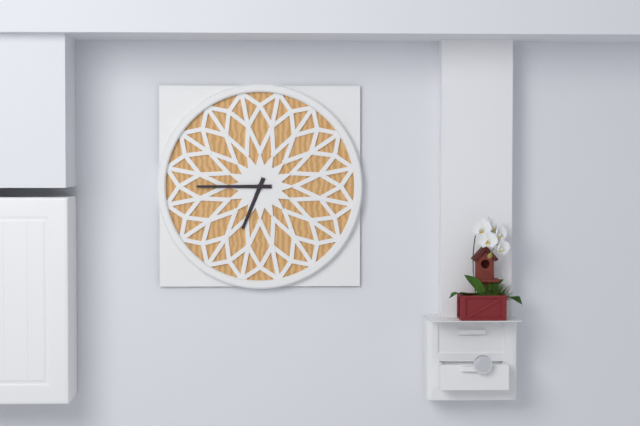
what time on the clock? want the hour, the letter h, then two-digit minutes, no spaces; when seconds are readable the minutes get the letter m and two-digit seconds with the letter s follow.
6h45
